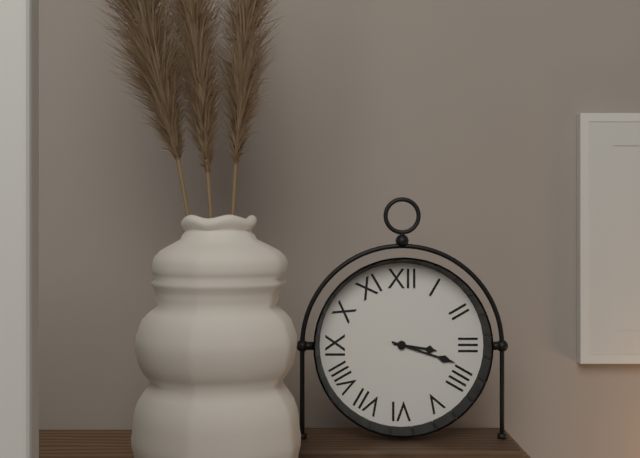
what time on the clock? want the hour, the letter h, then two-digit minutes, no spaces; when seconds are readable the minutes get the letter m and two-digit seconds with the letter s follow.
3h18
